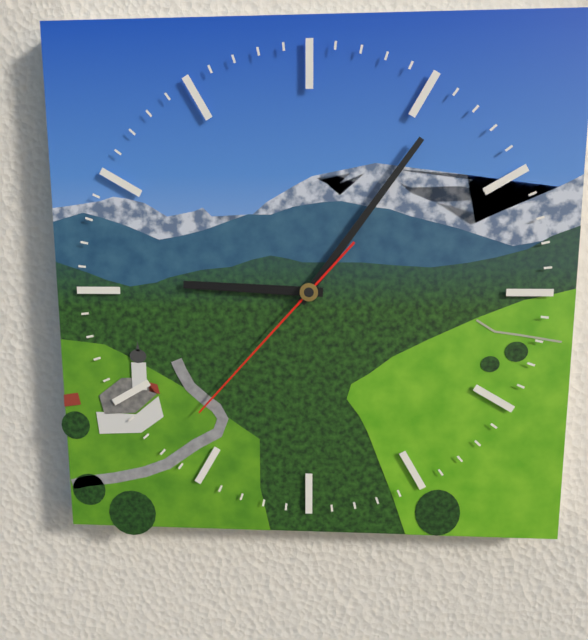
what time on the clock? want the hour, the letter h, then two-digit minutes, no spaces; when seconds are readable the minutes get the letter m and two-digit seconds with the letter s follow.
9h06m37s
